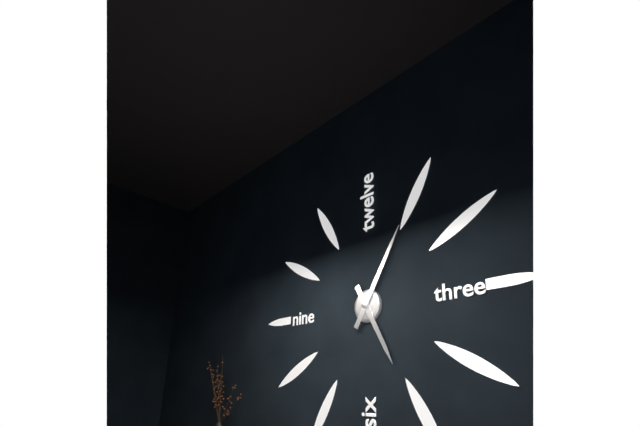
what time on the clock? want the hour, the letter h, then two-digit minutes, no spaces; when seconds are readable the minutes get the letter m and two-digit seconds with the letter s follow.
5h05
